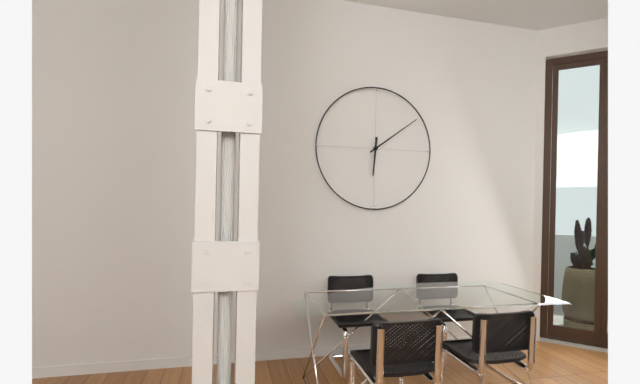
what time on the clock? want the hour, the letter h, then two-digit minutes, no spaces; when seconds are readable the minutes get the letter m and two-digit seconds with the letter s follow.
6h09
